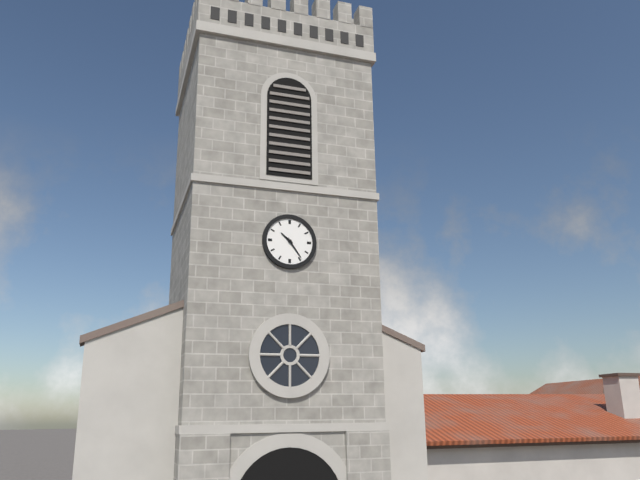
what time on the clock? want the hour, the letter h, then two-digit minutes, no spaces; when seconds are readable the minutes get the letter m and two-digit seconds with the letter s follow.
10h24
